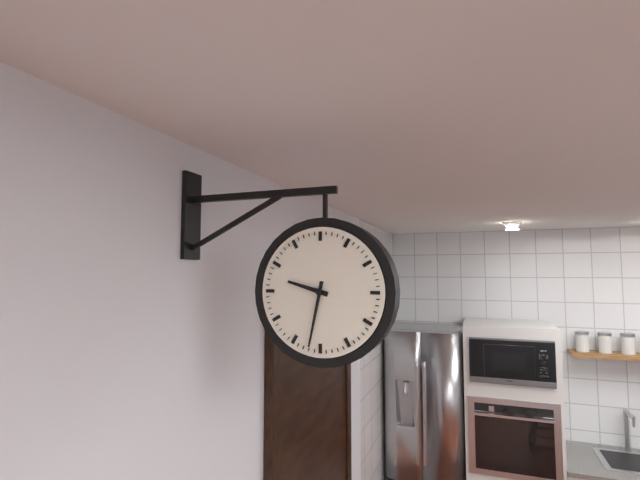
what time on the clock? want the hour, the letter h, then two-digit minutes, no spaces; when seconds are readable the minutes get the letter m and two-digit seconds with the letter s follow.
9h32
